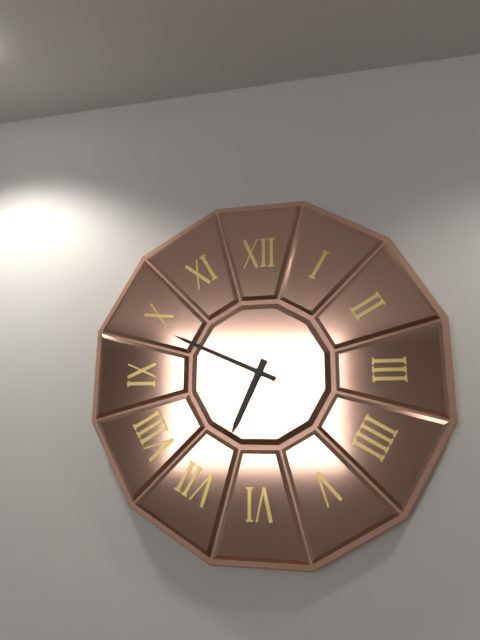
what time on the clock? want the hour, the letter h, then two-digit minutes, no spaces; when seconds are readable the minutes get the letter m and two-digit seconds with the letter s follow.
6h49
